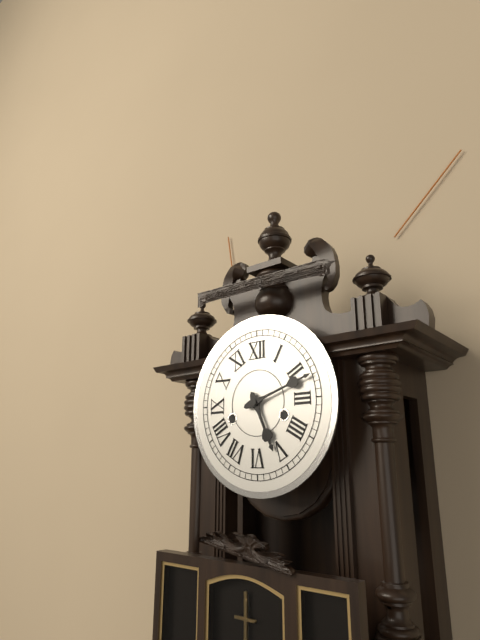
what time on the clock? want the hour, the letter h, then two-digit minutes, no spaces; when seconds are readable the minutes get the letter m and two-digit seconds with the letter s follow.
5h12
